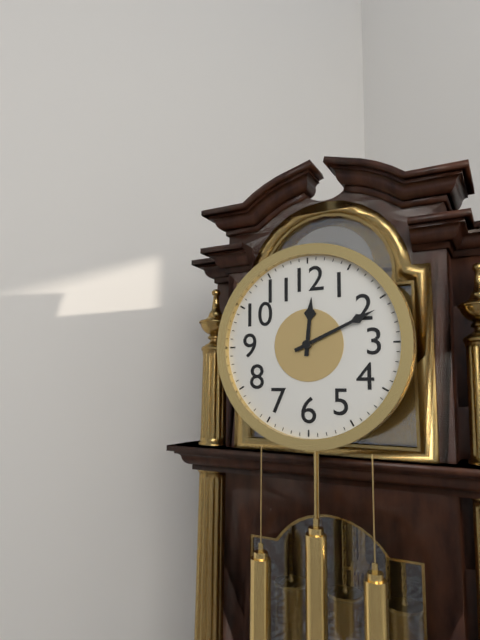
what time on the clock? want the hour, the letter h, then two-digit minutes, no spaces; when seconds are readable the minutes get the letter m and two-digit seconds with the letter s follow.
12h11
